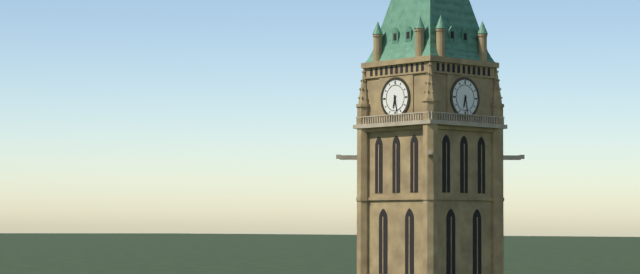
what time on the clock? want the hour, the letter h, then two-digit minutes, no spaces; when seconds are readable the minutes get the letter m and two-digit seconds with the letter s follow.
6h28
